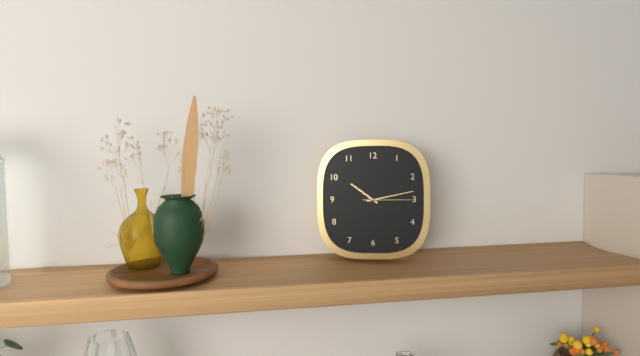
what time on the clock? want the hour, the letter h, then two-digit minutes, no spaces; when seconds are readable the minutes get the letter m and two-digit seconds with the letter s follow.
10h13m15s
